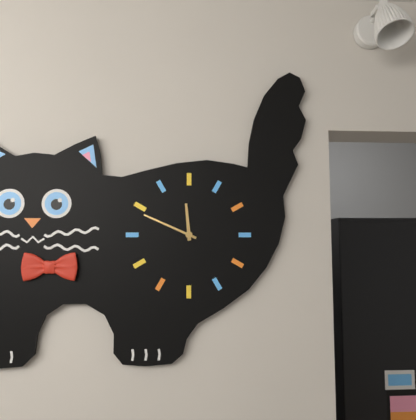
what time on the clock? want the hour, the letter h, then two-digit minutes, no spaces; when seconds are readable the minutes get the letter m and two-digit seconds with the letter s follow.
11h49
